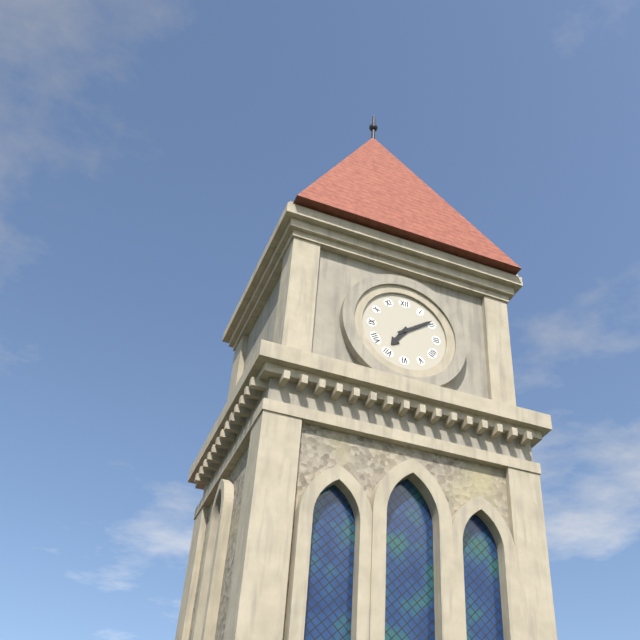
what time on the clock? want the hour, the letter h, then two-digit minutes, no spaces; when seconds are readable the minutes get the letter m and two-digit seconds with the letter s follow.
7h09
